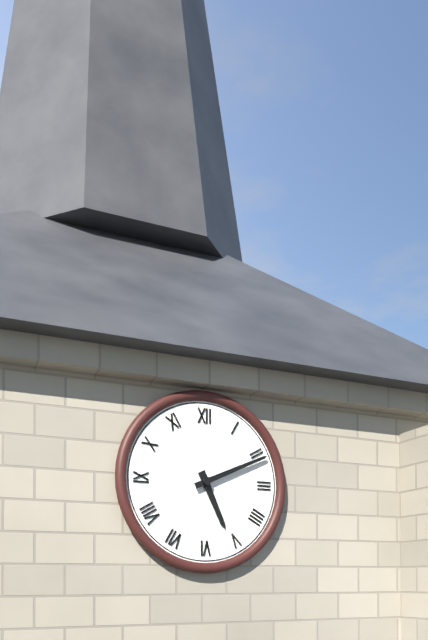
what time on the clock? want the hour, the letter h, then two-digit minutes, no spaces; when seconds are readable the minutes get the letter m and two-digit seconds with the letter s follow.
5h11
